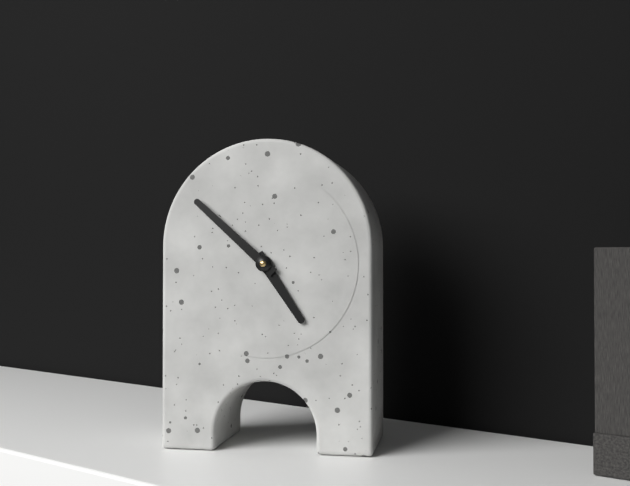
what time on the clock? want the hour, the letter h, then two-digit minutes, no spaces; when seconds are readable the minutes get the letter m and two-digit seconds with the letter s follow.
4h52
